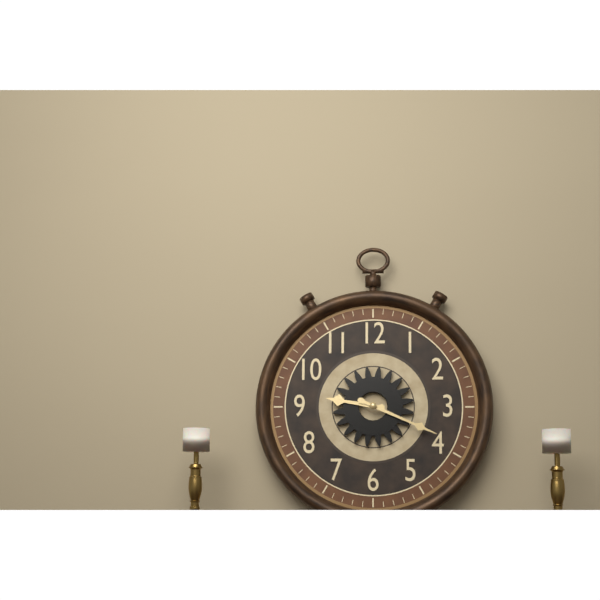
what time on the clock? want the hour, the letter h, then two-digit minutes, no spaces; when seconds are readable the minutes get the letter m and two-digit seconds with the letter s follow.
9h19
